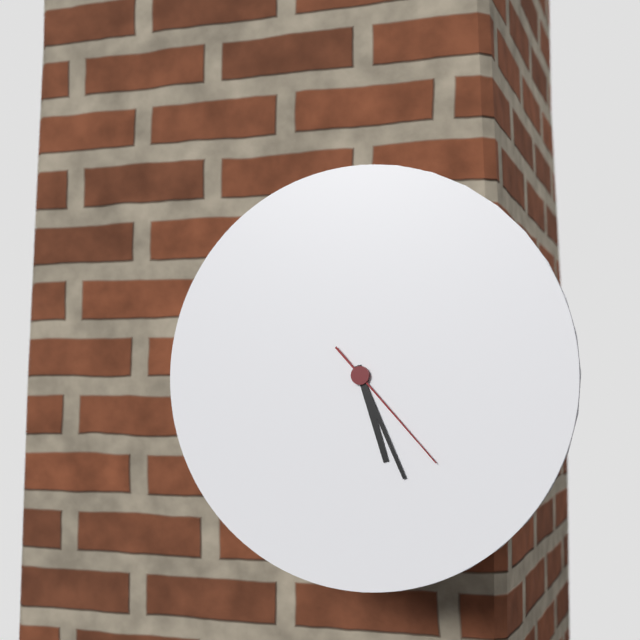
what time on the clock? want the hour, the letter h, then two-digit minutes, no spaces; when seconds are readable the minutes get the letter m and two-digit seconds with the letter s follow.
5h26m23s
